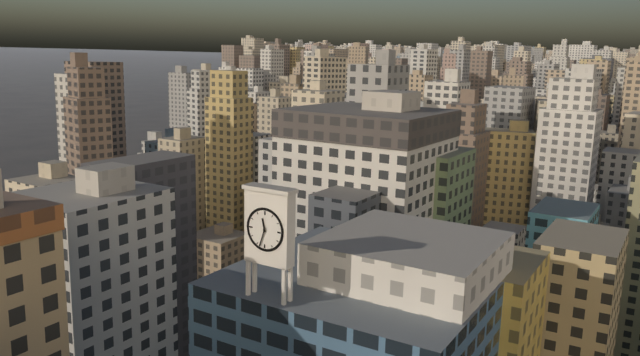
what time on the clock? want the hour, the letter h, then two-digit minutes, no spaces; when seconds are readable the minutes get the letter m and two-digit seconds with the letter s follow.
11h33
